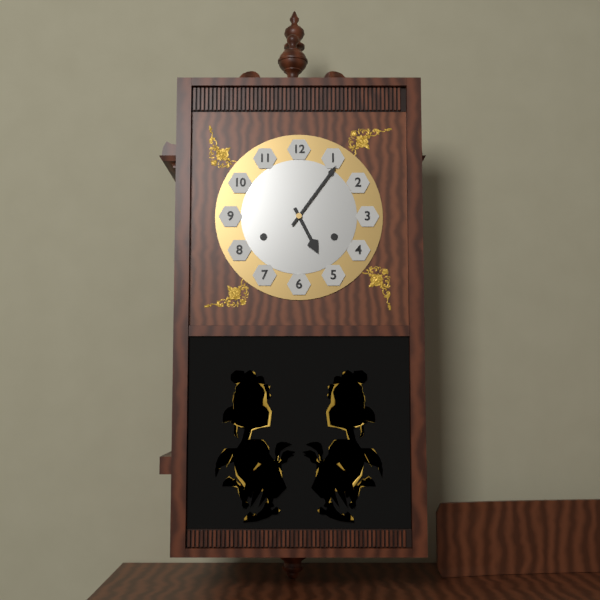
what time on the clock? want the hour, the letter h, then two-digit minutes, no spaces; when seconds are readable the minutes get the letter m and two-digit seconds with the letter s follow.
5h06
